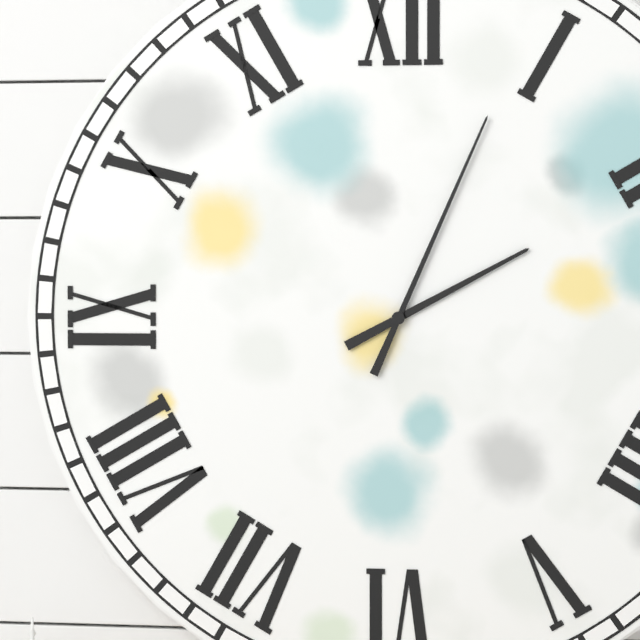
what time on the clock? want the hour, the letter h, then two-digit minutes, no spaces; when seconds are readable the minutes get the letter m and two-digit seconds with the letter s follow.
2h04
